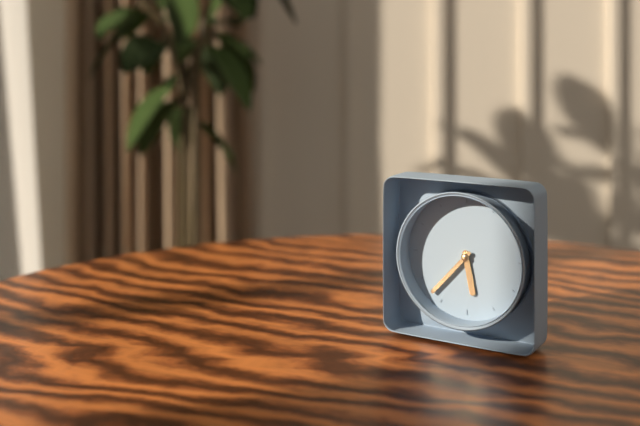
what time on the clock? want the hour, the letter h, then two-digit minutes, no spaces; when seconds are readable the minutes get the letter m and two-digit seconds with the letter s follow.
5h37
